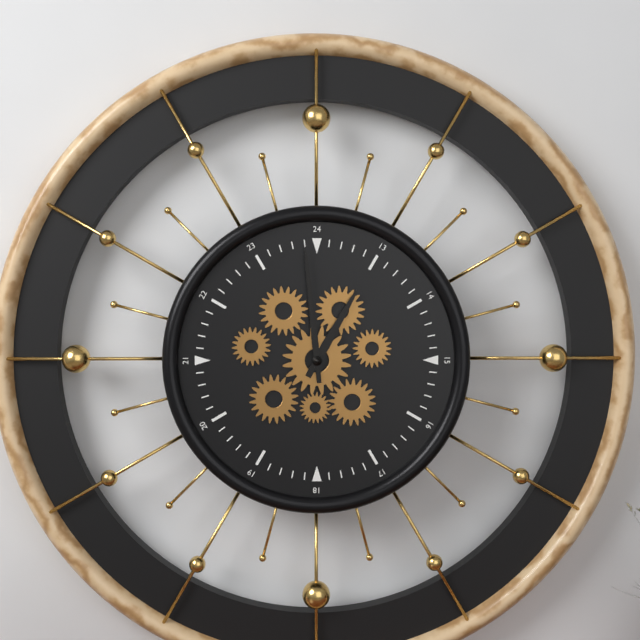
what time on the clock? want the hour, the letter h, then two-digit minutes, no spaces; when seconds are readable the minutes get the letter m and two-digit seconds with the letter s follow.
12h59
